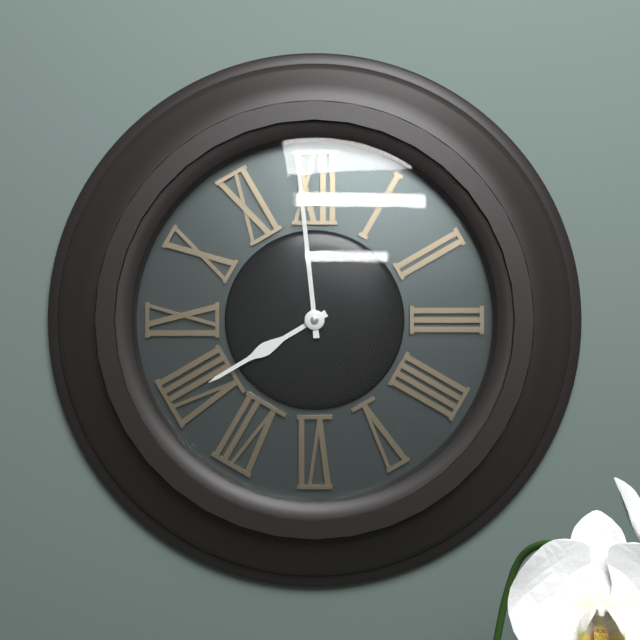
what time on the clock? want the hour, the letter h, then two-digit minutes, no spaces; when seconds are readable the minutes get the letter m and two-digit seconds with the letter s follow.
7h59
